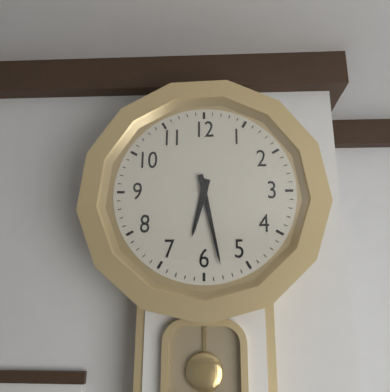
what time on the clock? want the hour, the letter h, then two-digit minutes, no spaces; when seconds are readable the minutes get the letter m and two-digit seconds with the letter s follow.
6h28
